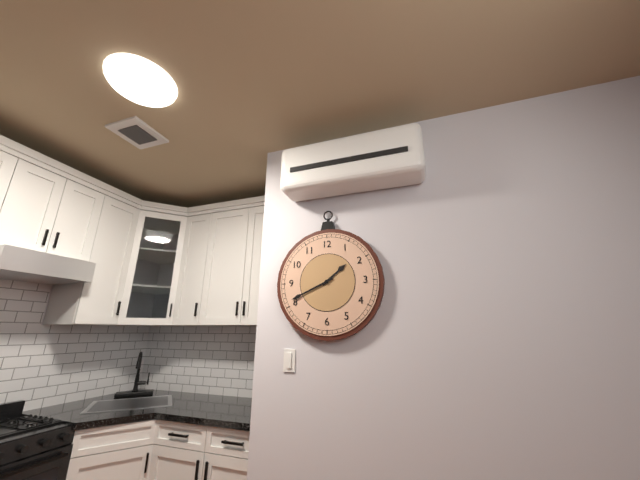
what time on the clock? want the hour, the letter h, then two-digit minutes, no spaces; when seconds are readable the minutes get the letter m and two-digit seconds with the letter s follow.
1h41
